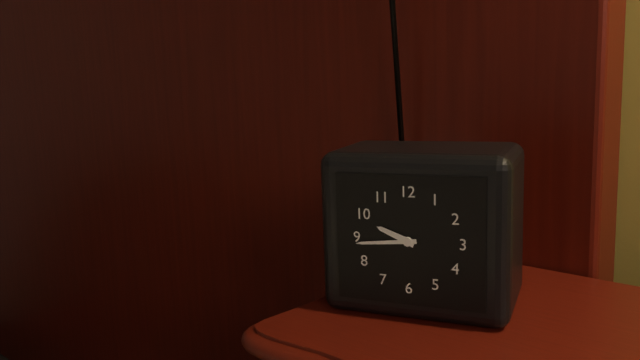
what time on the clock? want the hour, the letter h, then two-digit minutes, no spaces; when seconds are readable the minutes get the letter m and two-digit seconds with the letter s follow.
9h44
